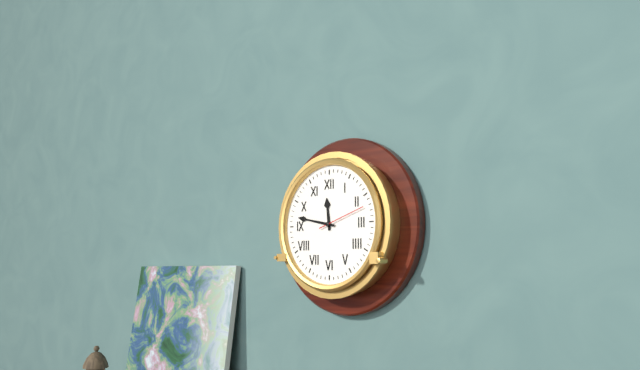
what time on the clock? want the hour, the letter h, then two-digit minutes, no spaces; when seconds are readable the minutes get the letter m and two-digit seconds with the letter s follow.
11h47
